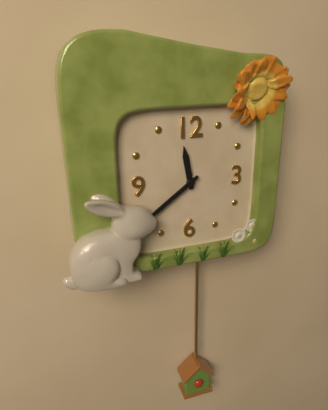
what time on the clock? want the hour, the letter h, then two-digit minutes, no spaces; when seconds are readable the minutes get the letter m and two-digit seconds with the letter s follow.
11h39
